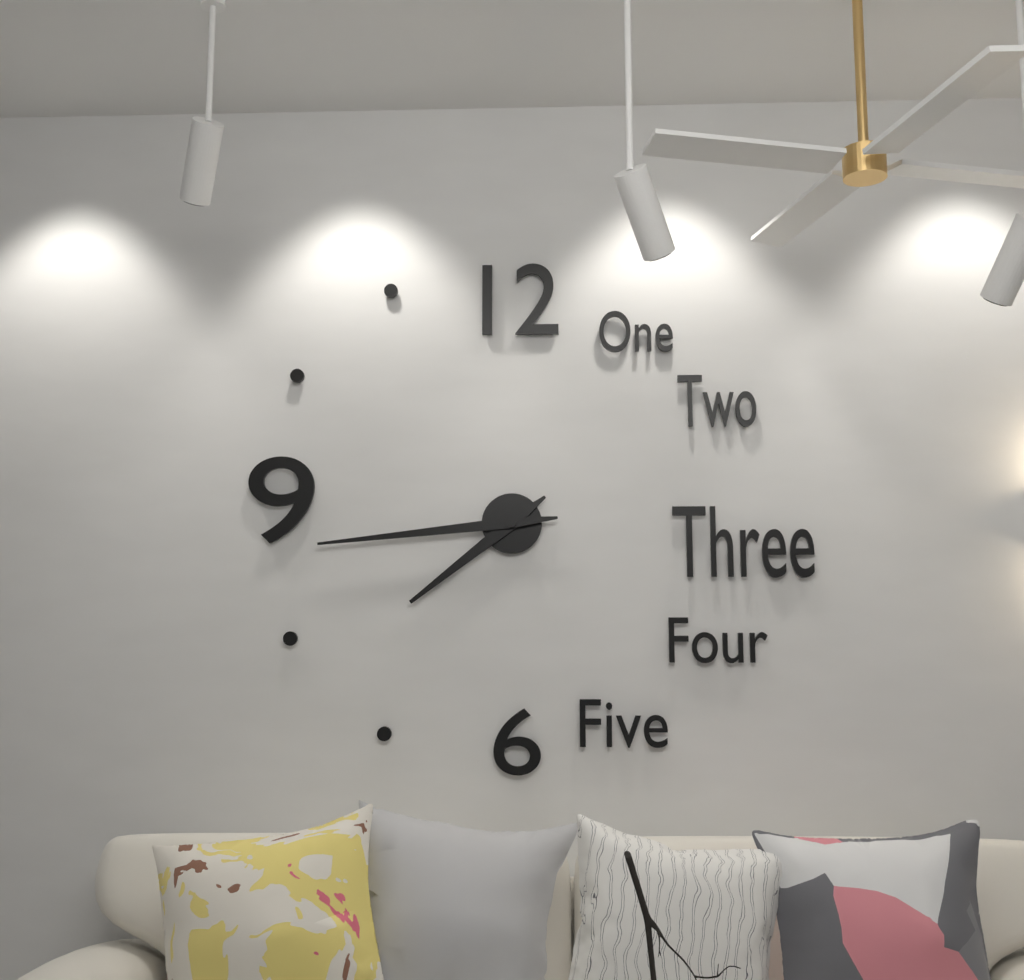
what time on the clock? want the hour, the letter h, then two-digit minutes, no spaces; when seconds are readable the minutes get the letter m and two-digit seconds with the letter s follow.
7h44
